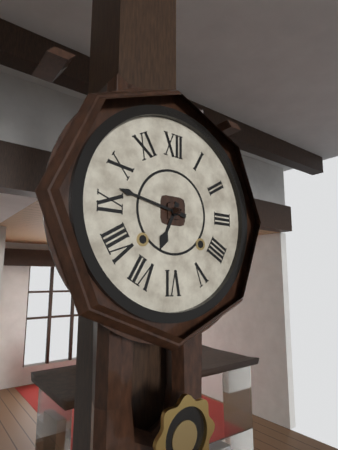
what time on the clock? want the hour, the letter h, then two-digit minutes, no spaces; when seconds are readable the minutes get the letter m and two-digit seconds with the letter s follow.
6h47
